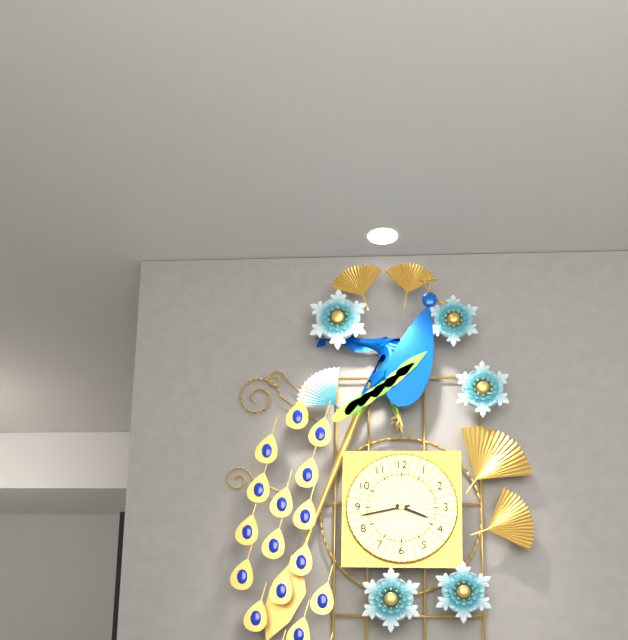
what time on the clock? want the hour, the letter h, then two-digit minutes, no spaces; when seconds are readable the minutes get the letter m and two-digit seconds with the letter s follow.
3h43
